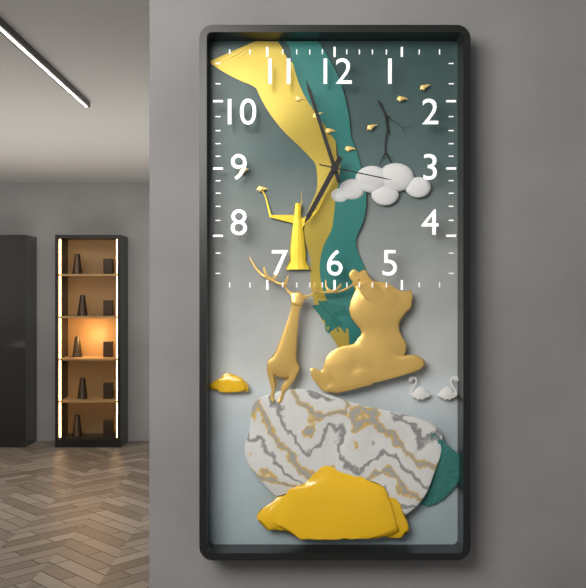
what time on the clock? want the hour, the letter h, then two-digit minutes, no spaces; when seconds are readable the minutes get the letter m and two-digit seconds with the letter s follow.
6h57m17s
